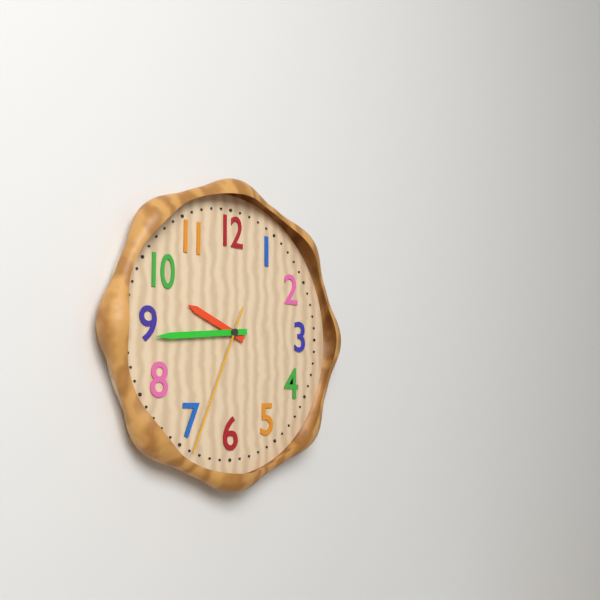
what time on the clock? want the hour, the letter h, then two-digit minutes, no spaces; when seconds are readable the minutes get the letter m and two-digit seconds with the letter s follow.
9h44m34s
